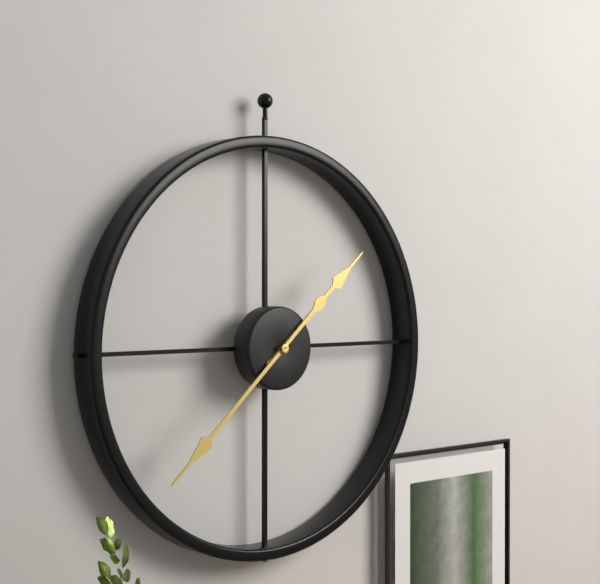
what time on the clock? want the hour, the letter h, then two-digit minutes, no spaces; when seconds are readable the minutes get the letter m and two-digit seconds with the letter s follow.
1h38
